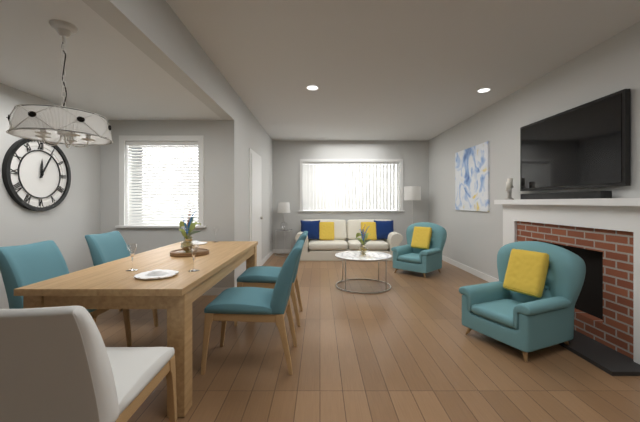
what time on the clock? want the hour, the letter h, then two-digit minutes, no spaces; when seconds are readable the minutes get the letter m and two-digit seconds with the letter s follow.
12h05
